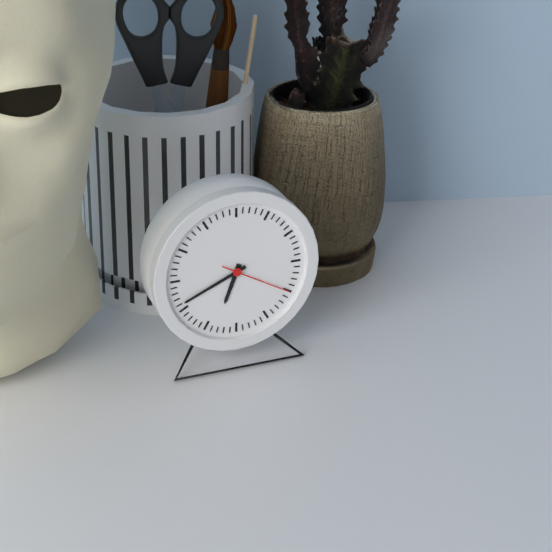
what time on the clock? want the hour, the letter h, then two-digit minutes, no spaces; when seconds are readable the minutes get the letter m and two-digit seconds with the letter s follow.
6h41m20s
